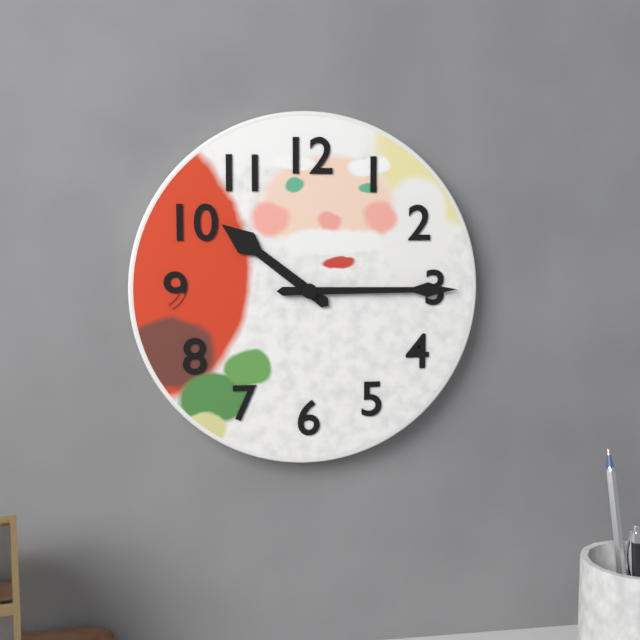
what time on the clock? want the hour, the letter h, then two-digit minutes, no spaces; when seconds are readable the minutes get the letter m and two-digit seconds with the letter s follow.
10h15
